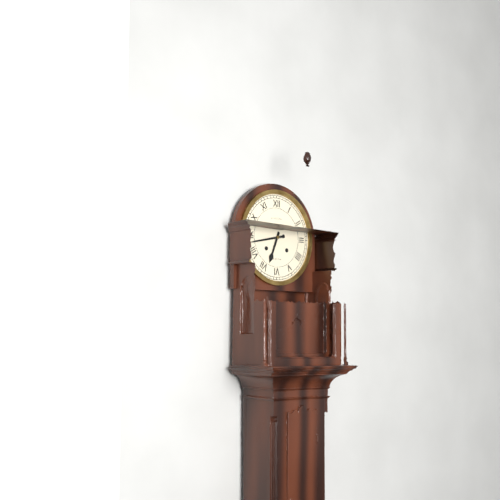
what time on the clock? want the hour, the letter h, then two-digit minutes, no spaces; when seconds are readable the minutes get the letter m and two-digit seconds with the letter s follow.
6h43
